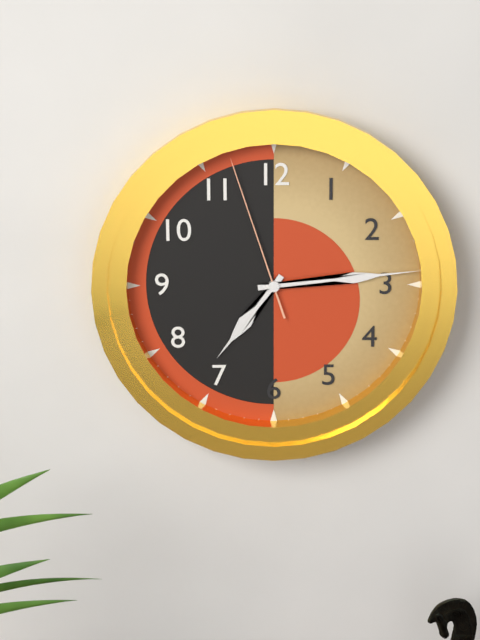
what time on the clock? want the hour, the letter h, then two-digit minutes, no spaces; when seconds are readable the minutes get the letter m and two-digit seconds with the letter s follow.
7h14m57s
